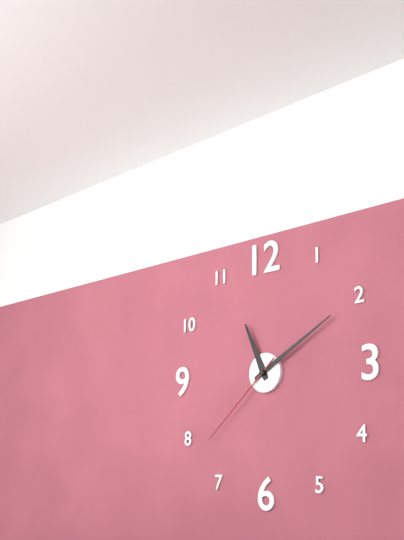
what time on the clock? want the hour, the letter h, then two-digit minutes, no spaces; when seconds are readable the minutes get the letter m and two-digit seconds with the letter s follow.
11h10m38s
